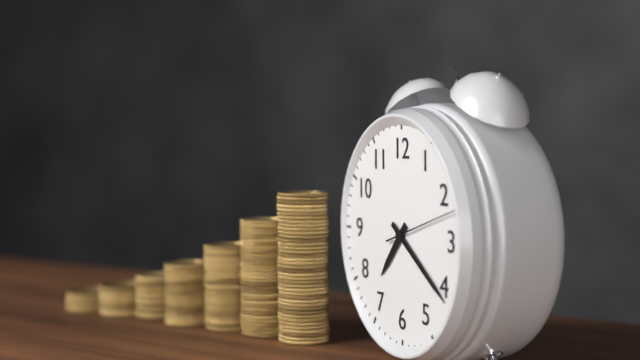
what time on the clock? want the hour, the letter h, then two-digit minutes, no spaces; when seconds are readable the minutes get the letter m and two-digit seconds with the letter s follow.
7h21m12s
